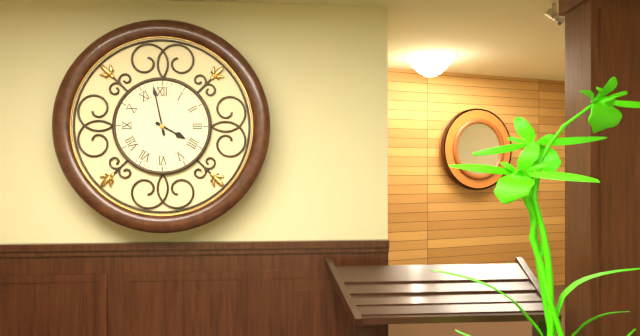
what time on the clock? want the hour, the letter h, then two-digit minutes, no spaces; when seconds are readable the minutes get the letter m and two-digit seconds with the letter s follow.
3h58
